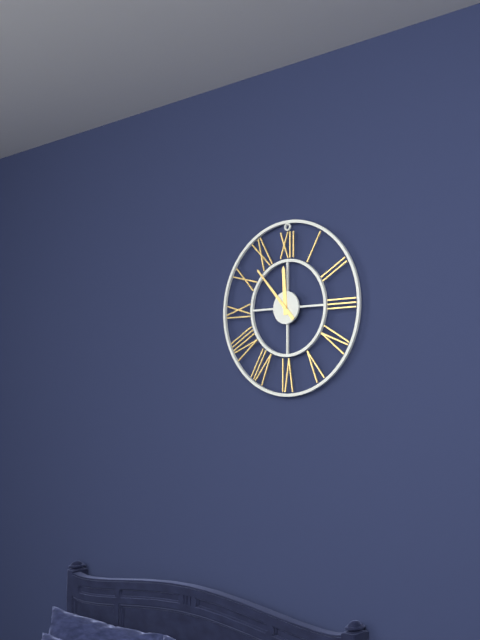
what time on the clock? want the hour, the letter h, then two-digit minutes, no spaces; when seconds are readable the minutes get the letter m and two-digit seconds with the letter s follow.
11h53
